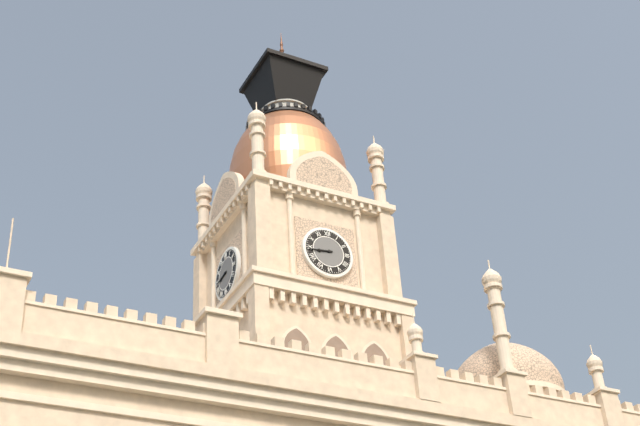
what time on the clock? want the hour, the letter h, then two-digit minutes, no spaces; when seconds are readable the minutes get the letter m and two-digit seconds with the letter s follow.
8h44
